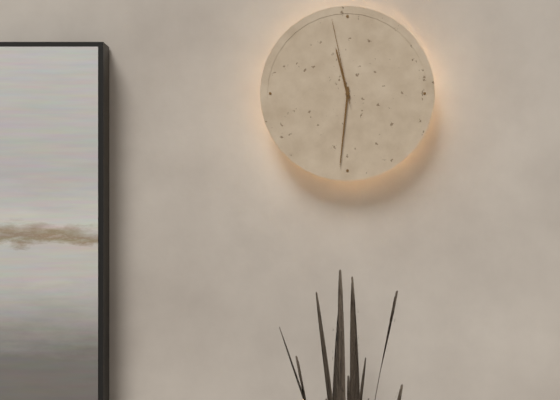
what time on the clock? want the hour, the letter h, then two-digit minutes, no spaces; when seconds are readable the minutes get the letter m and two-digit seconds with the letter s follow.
11h31m58s
